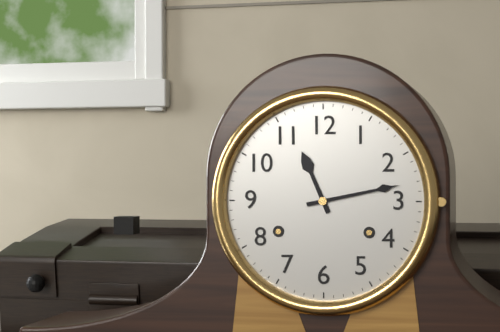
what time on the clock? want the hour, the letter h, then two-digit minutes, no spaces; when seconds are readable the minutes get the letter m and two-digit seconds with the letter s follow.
11h13
